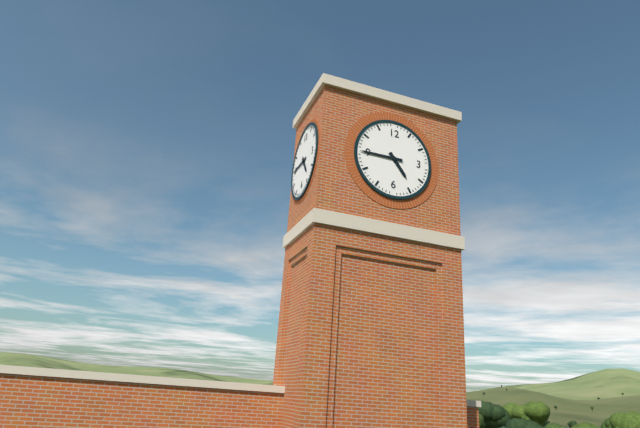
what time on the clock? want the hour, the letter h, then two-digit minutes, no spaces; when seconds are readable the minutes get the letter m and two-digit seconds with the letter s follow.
4h45
